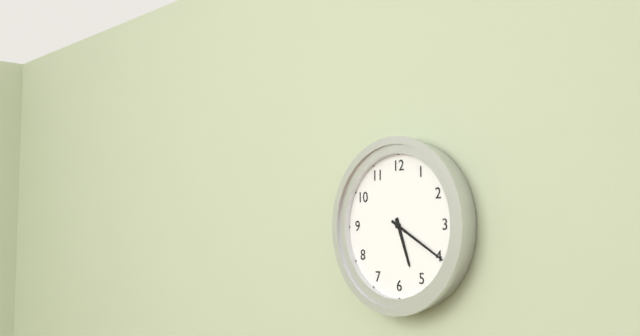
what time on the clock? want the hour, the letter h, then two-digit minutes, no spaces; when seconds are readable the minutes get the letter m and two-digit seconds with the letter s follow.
5h20
